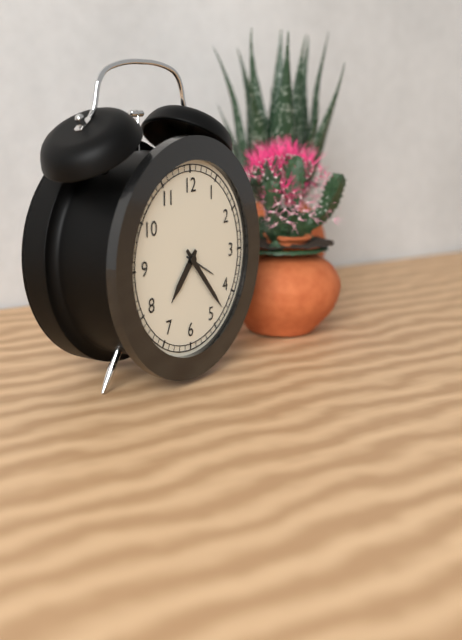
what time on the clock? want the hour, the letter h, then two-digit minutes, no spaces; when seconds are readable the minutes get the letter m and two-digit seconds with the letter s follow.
7h23
